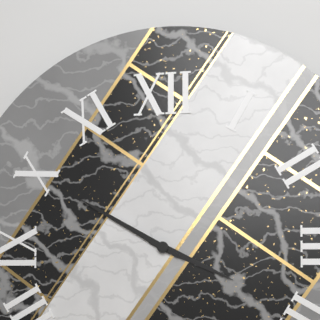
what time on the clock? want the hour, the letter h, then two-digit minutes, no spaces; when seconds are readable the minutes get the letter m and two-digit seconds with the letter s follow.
3h50
